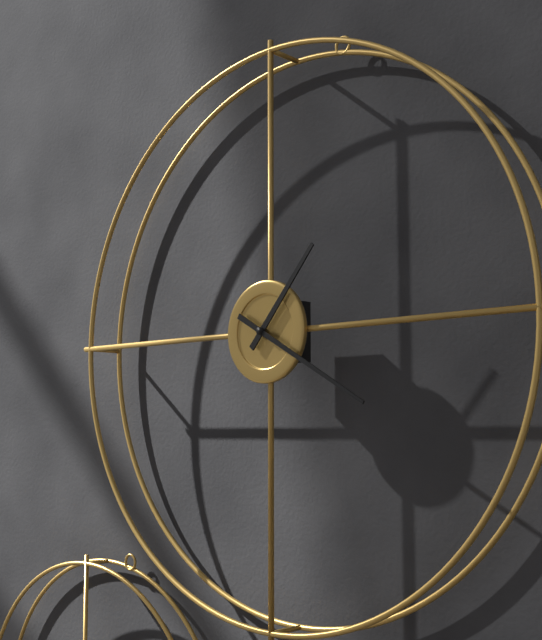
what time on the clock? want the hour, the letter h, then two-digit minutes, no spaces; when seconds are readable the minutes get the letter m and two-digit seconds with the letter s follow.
1h20
